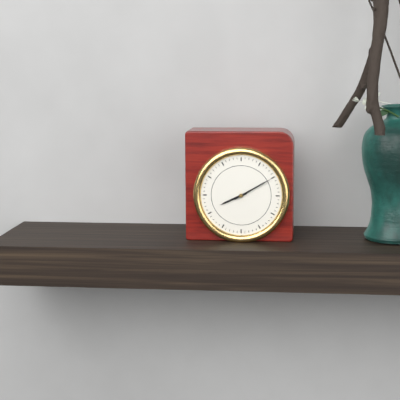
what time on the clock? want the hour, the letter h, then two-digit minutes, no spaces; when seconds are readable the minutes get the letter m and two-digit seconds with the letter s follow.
8h10
